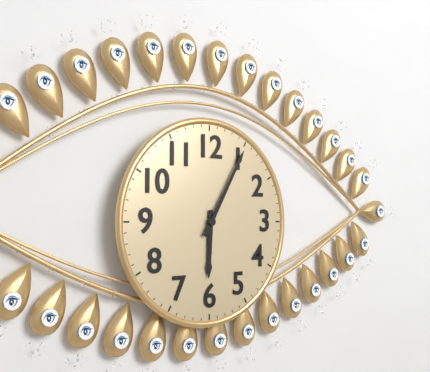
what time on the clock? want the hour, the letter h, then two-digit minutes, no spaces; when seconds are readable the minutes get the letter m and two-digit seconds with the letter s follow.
6h05
